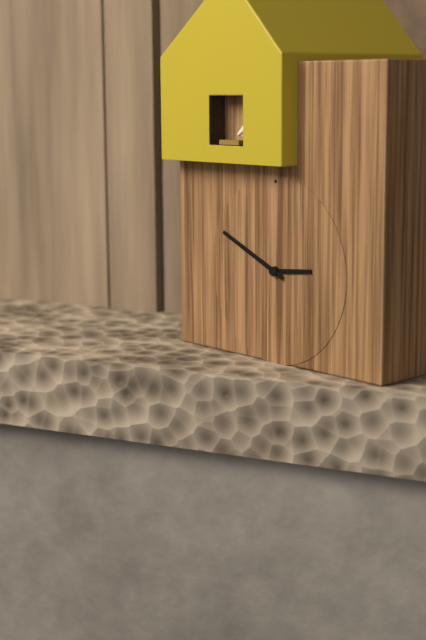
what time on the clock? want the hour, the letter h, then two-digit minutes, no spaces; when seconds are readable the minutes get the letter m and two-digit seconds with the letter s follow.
2h49
